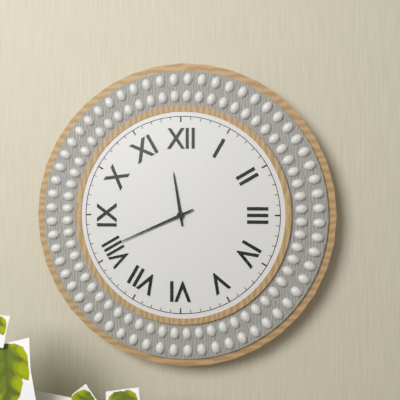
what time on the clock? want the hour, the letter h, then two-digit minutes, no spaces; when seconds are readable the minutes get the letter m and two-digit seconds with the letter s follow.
11h41
